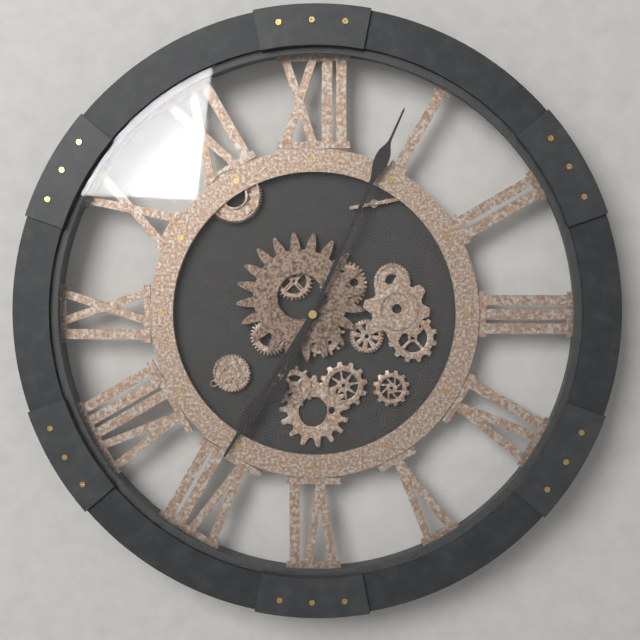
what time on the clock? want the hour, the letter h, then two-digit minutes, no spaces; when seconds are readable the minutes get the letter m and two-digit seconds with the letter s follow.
7h04
